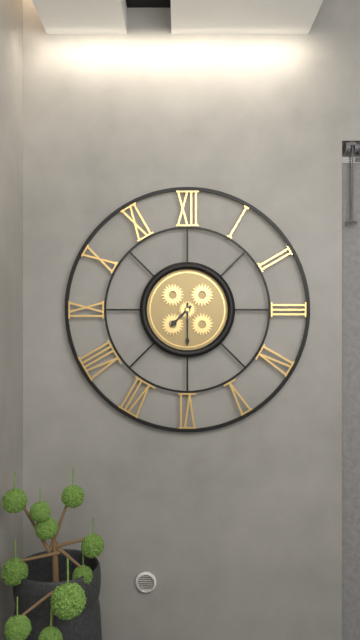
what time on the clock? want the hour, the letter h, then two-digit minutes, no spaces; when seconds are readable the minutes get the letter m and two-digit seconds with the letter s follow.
7h30
